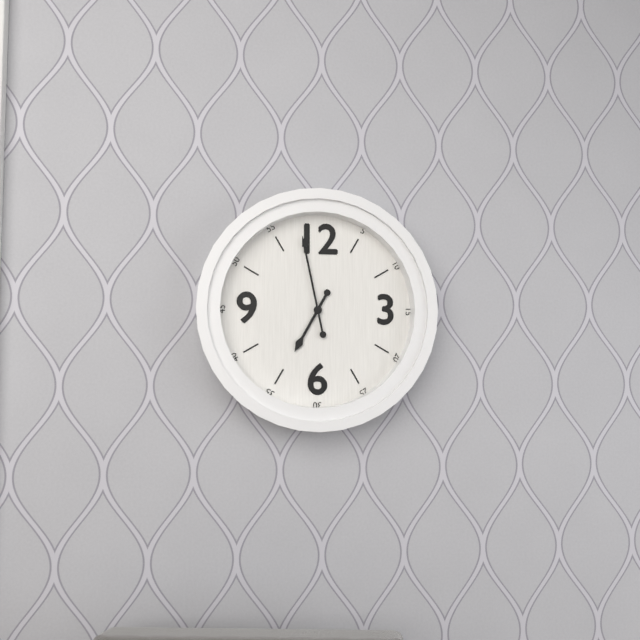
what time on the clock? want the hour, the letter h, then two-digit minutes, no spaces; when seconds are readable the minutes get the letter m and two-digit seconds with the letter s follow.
6h58
